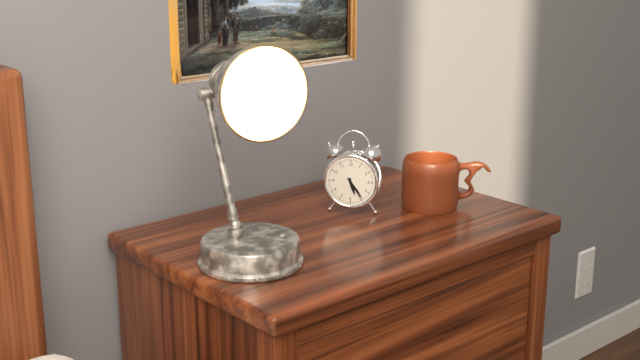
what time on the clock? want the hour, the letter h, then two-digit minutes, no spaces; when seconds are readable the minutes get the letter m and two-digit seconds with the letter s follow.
5h24
